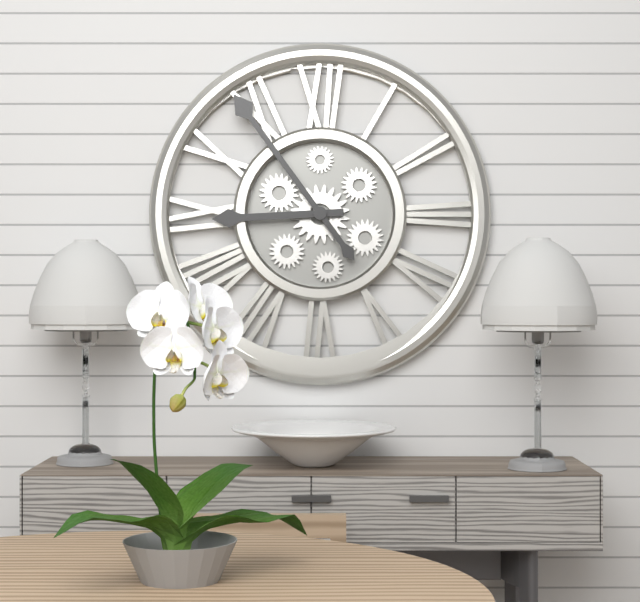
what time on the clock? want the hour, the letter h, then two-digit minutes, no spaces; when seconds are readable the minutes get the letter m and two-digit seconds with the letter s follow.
8h54
